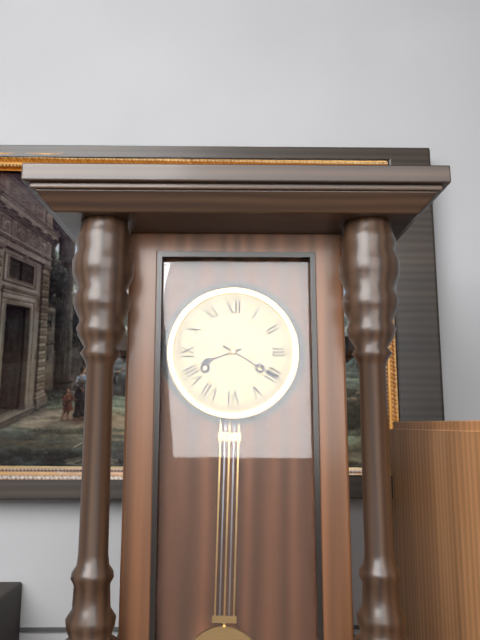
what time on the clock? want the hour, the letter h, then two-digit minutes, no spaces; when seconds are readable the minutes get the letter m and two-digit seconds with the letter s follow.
8h20
